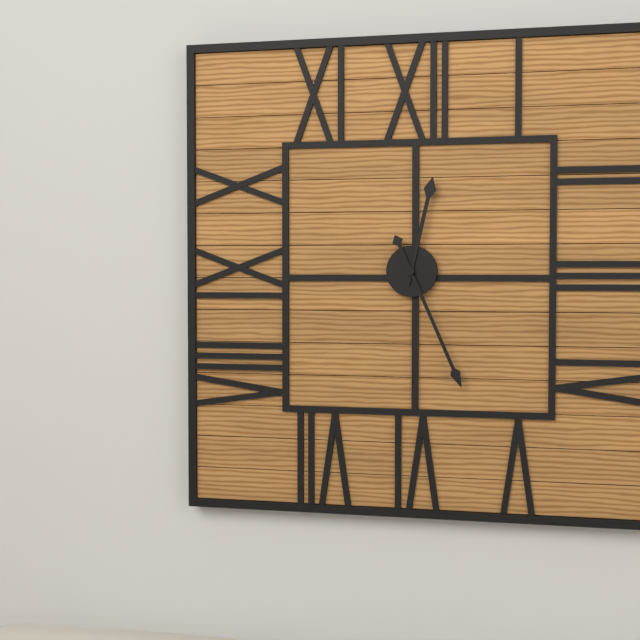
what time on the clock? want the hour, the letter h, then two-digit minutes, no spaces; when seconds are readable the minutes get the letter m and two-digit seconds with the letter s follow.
12h26
